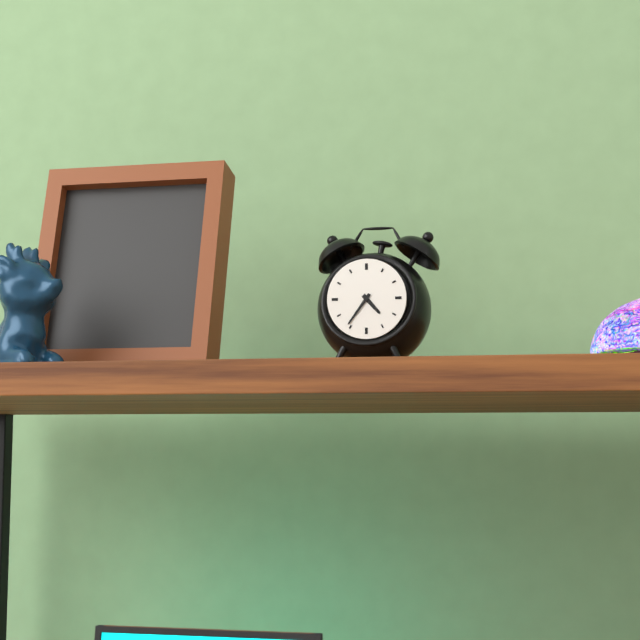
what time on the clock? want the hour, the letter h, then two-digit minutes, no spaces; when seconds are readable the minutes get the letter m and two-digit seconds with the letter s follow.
4h36
